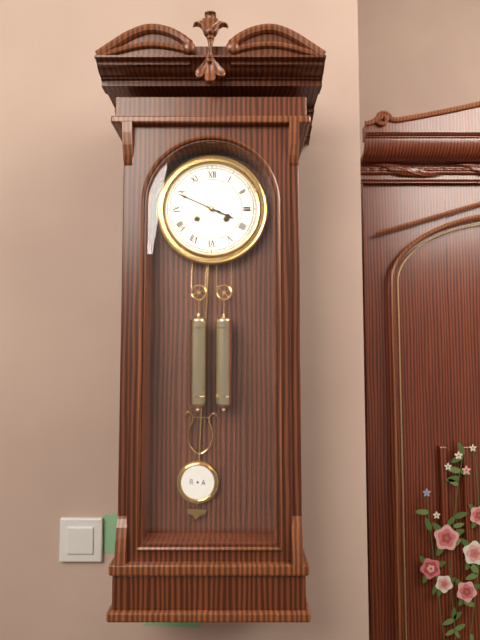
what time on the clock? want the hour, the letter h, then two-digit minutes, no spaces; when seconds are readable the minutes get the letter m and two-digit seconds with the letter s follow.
3h49
